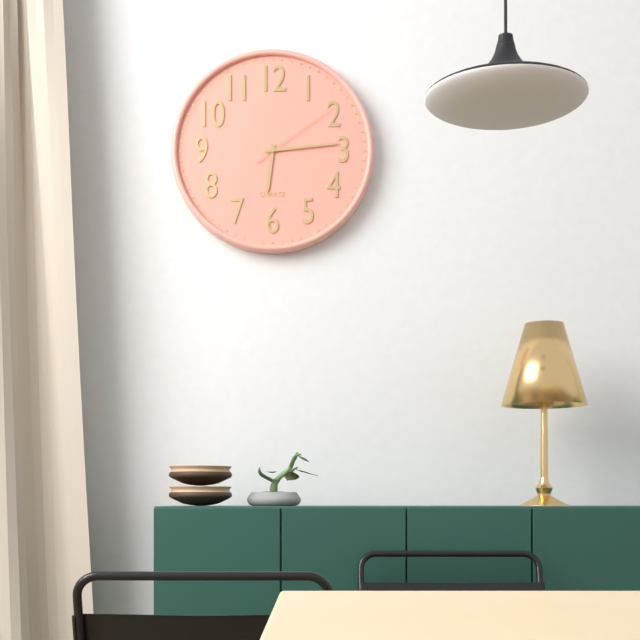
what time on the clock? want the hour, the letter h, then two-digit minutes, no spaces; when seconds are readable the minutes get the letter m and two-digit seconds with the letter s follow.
6h14m09s
